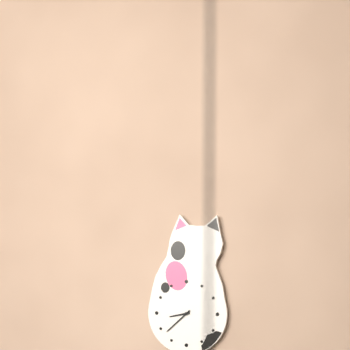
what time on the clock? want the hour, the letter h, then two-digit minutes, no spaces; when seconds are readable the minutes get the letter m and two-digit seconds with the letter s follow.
8h38
